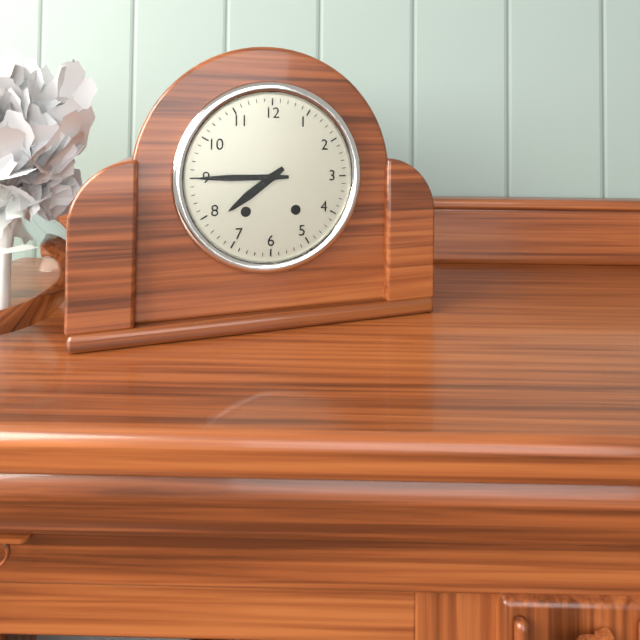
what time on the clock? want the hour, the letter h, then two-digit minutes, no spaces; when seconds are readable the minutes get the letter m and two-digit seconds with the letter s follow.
7h45
